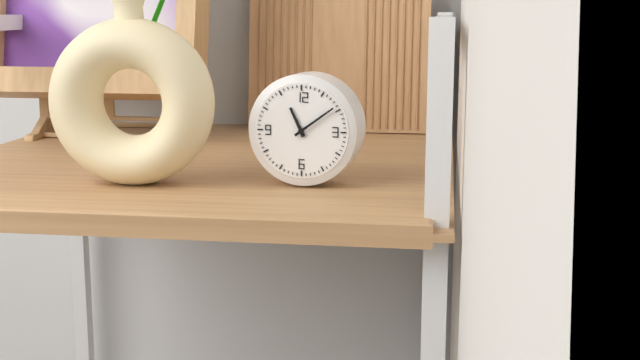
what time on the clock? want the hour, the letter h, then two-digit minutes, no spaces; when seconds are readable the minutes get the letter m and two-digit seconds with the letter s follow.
11h09
